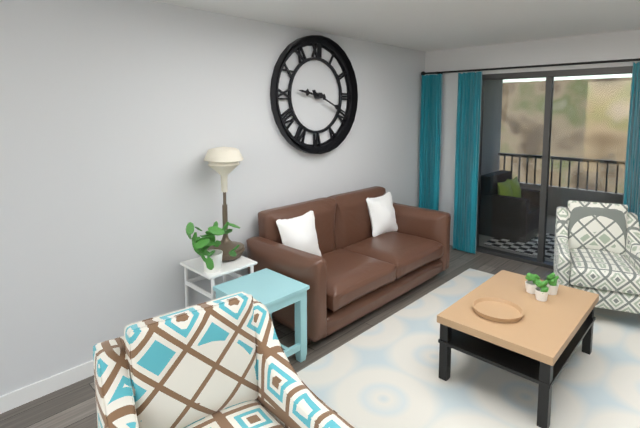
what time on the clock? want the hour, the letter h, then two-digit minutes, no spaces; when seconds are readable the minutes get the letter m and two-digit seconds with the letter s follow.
9h19
